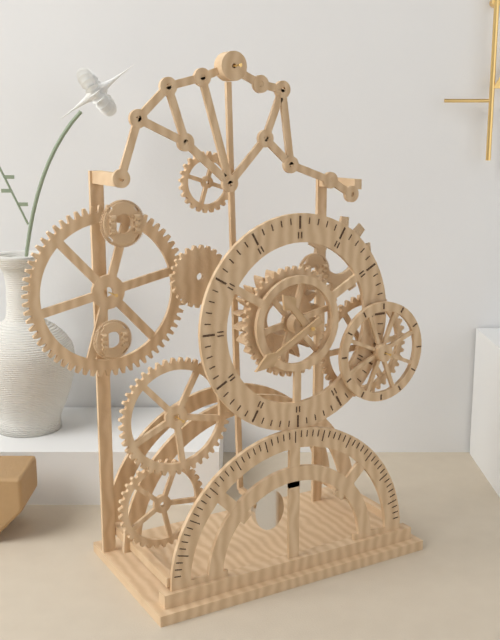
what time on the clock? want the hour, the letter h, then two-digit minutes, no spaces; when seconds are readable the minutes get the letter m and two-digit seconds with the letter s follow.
10h40
